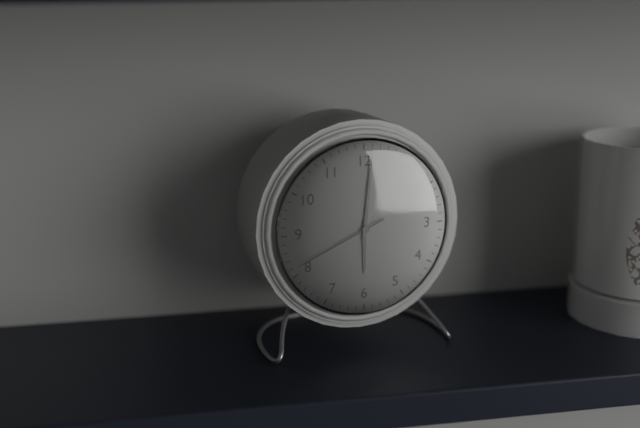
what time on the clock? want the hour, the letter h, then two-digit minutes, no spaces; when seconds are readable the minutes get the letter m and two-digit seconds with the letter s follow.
6h01m41s
